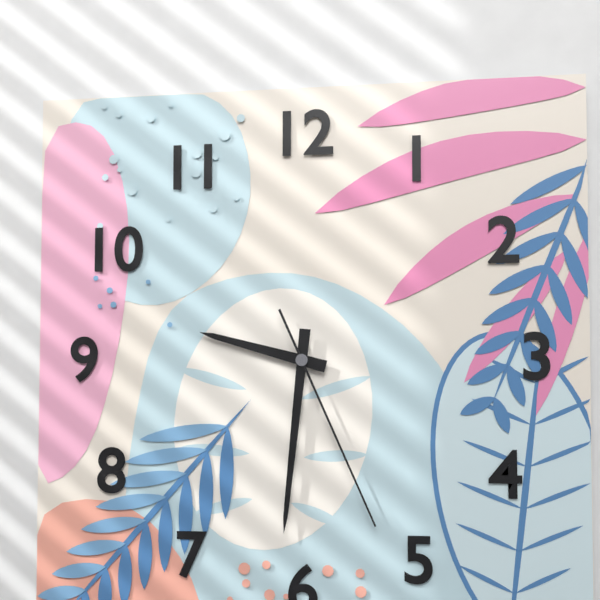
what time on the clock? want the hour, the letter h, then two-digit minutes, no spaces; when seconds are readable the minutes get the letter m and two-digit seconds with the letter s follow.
9h31m26s
